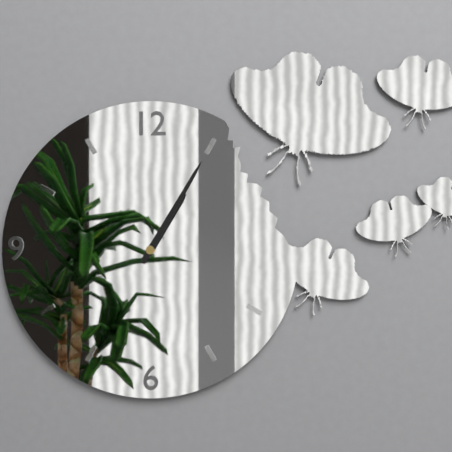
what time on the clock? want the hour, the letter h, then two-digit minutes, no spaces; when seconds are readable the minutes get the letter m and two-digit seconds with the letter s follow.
1h05
